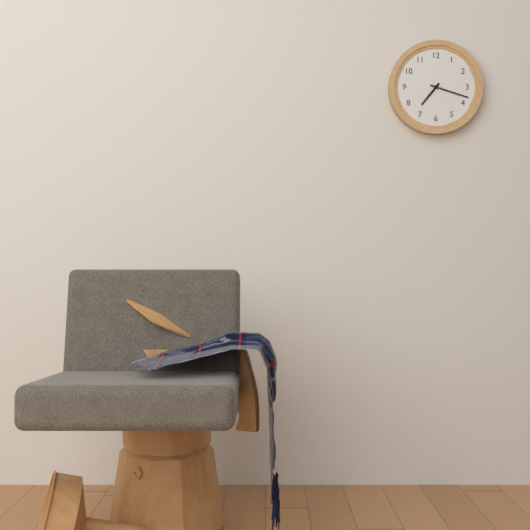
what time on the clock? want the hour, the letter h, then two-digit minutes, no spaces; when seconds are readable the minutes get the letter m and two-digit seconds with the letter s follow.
7h18
